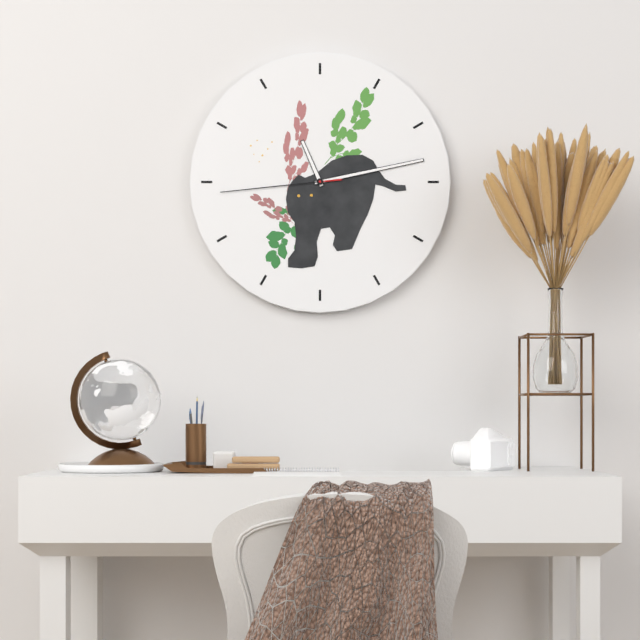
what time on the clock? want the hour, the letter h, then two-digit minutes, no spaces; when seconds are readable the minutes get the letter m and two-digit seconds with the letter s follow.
11h13m44s
